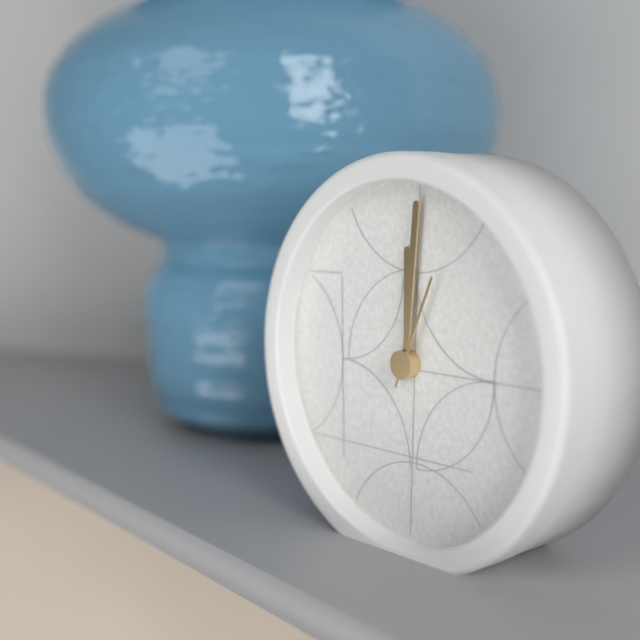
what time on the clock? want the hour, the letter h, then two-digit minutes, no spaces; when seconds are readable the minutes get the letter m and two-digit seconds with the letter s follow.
12h01m04s
